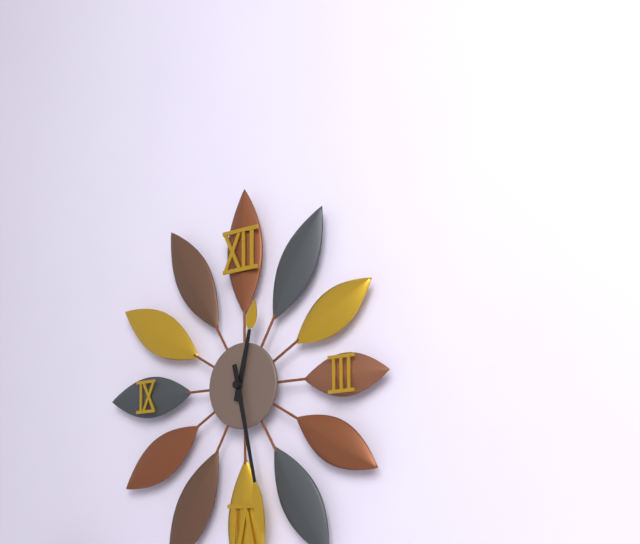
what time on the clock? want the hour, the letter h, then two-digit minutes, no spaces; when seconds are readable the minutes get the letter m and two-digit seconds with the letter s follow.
12h28
